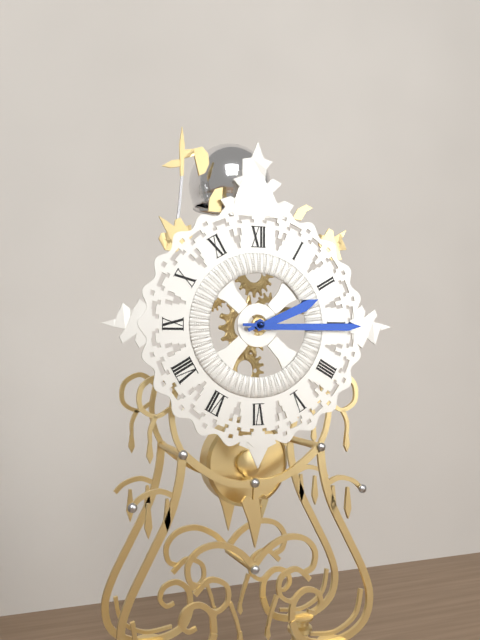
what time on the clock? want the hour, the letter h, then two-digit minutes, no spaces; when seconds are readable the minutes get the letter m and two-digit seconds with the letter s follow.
2h15
